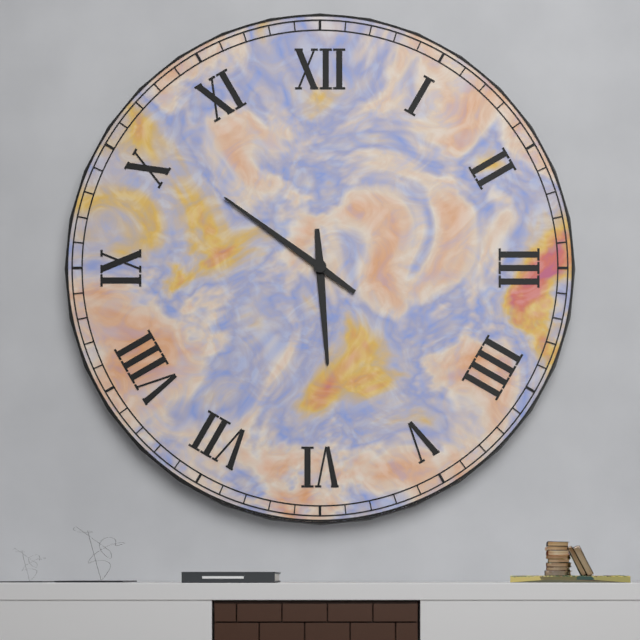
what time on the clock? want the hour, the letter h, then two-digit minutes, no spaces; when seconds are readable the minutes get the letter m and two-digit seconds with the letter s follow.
5h51
